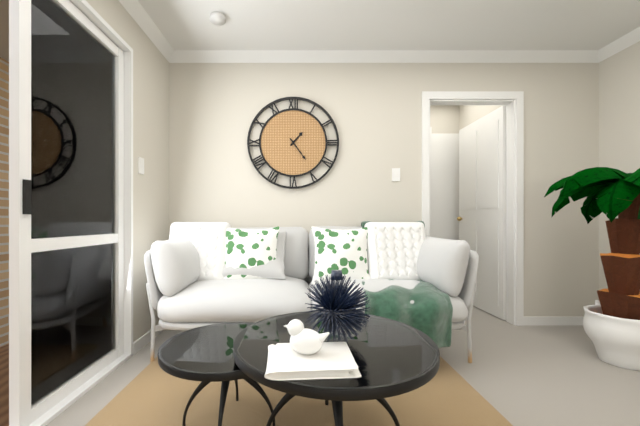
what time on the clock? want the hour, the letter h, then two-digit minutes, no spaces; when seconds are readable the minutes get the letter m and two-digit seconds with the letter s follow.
1h24
